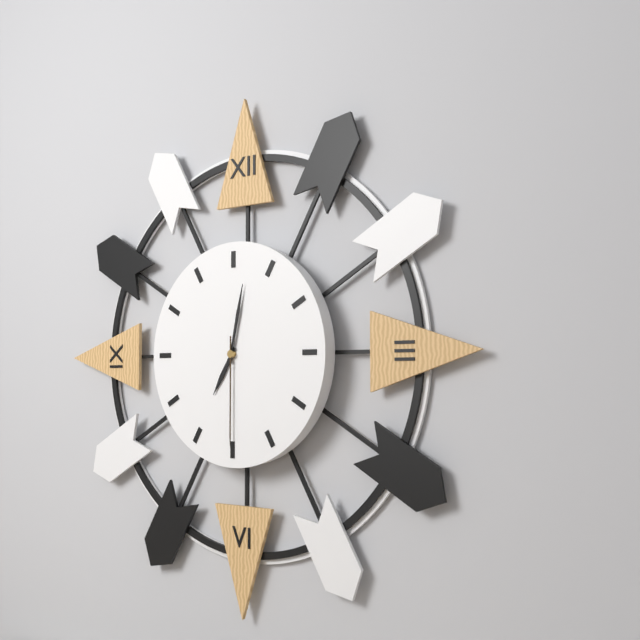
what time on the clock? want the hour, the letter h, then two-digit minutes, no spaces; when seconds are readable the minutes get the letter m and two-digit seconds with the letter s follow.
7h02m30s
